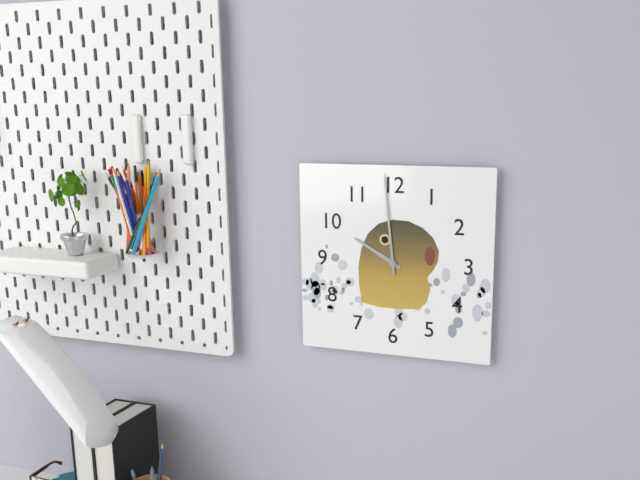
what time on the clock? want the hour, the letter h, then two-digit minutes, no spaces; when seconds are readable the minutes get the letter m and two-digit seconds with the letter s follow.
9h59
